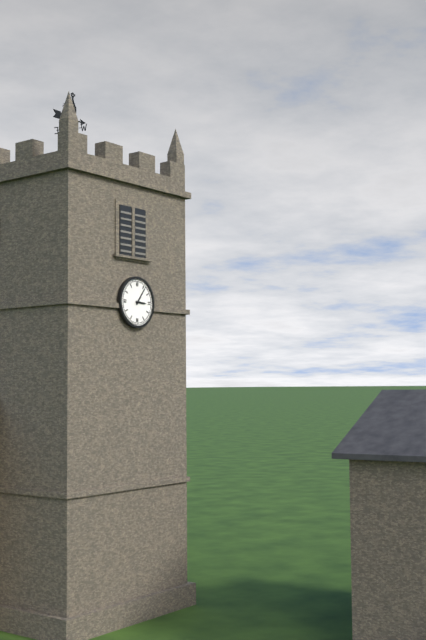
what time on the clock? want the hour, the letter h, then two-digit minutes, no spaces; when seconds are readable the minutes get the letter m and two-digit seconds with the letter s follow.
3h06
